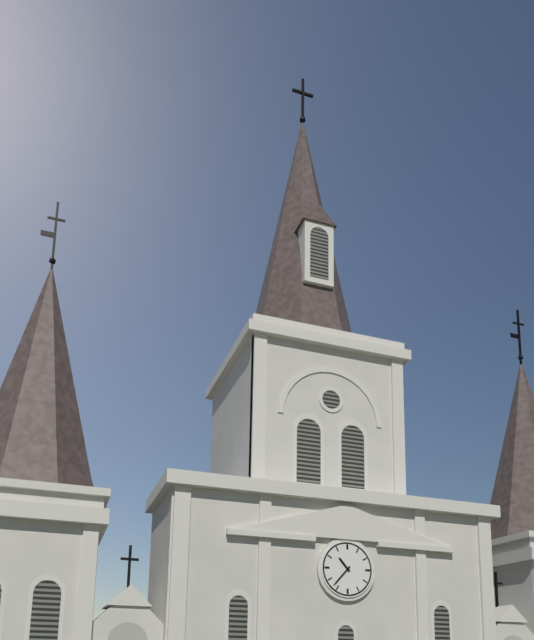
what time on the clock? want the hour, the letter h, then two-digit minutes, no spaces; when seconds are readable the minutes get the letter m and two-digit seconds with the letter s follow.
10h37
